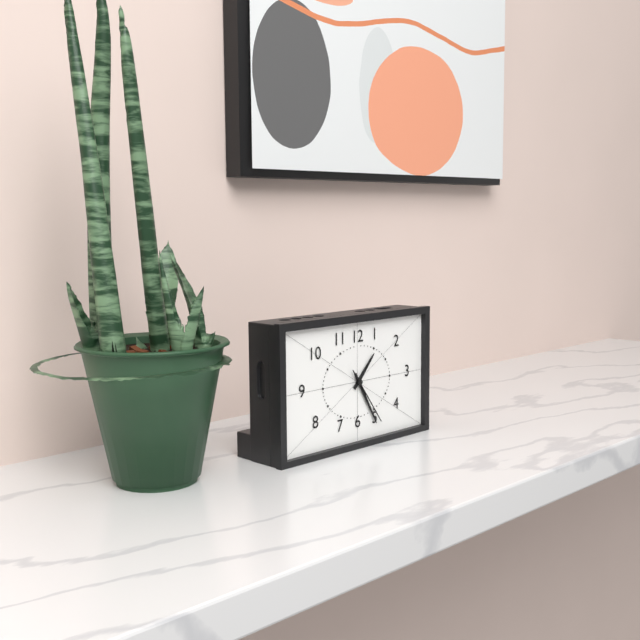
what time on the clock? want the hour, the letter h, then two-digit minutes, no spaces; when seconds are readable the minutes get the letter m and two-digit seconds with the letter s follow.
1h25m24s
